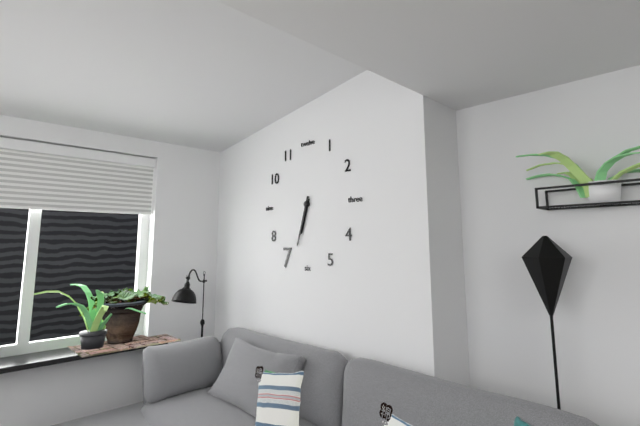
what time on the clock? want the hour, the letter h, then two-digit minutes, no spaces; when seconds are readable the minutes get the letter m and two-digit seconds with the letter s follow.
6h33
